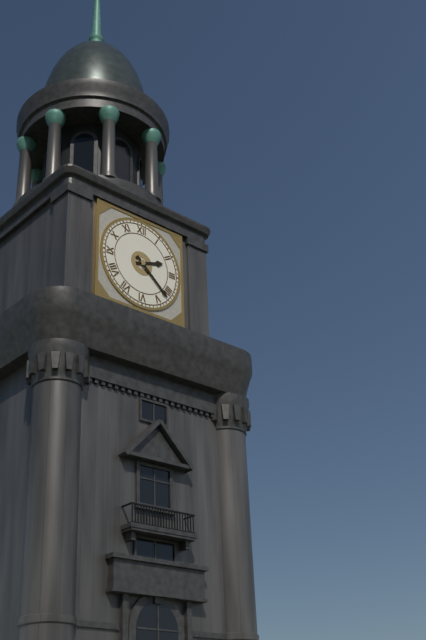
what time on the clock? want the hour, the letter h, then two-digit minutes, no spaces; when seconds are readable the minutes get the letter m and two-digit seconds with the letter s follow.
2h22
